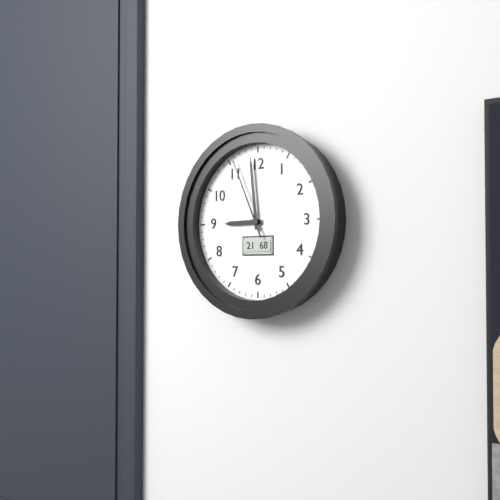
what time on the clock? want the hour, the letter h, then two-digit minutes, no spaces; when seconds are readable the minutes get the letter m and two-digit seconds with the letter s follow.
8h59m56s
